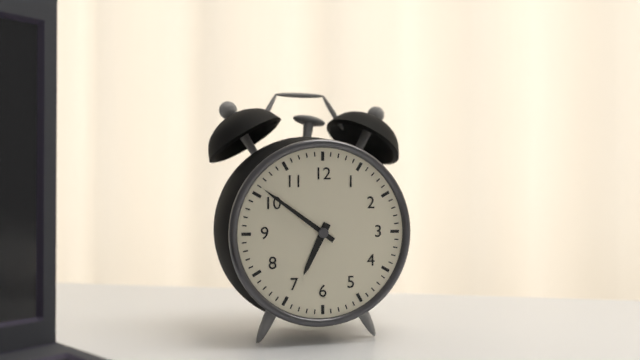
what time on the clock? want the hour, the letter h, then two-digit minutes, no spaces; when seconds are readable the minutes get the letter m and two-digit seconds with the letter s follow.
6h51
